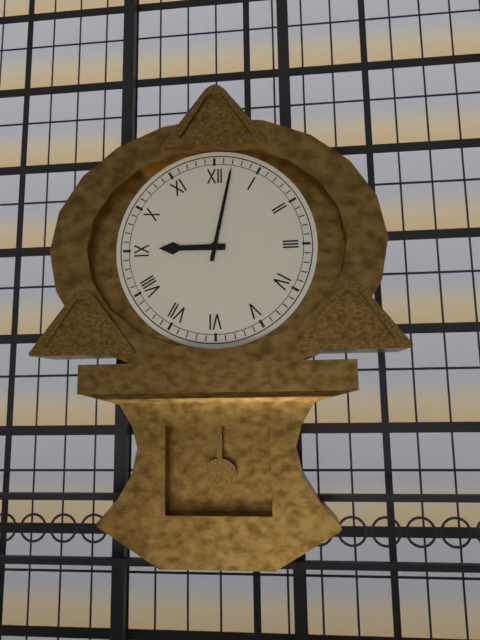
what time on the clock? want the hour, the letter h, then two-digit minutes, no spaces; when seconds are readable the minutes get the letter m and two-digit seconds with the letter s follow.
9h02
